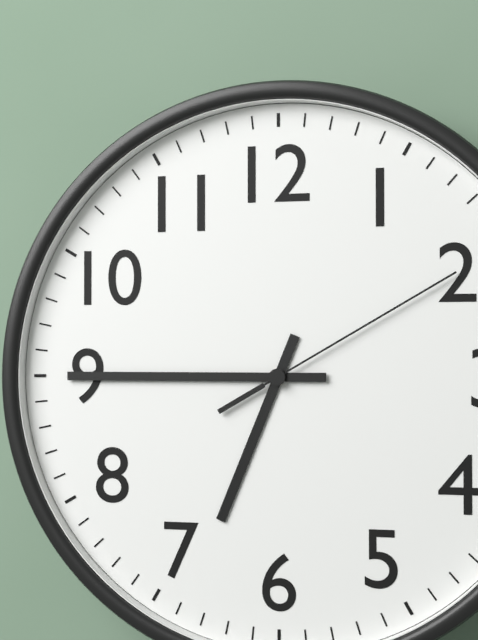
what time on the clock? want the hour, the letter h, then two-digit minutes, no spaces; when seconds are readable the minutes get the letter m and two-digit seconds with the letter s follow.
6h45m10s
